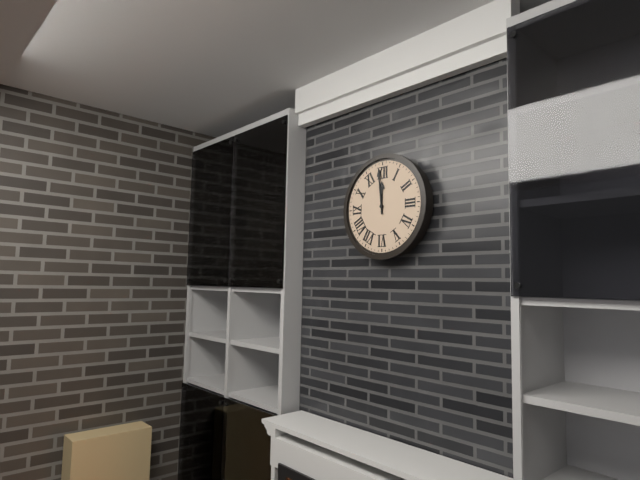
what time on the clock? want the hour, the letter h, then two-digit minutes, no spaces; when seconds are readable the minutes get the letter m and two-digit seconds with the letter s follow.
11h59
